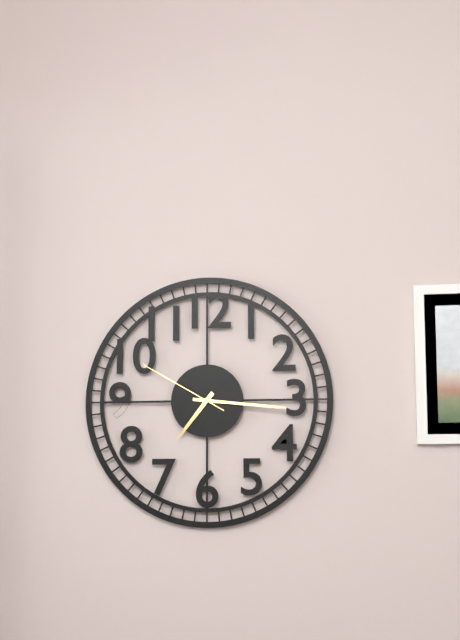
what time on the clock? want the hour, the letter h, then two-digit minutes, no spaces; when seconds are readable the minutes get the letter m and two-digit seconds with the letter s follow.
7h16m50s
